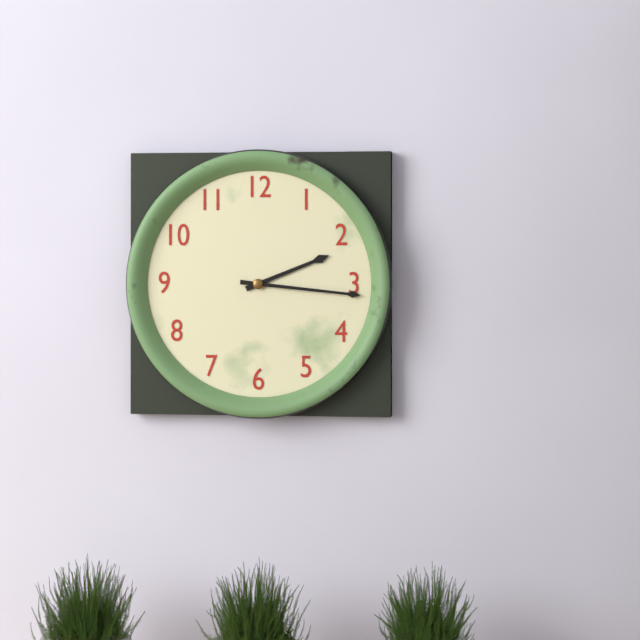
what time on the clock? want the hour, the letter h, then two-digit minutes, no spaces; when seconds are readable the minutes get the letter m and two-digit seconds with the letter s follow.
2h16
